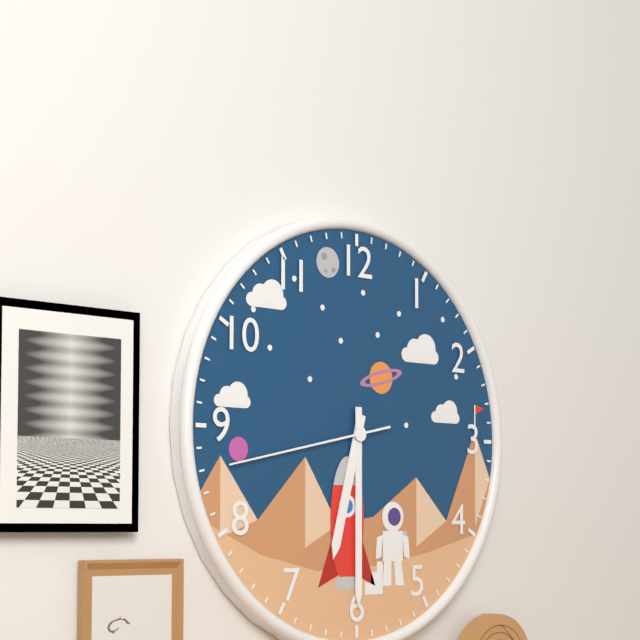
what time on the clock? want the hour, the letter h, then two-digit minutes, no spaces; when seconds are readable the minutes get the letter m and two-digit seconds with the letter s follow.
6h30m43s
